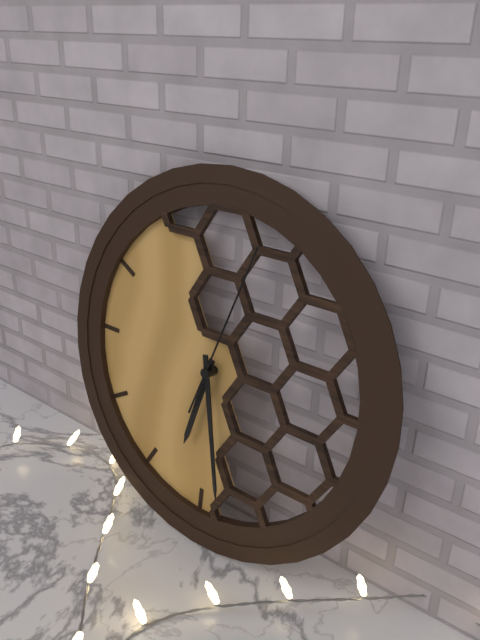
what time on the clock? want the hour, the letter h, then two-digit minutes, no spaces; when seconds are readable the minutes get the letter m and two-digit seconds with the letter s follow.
6h28m03s
